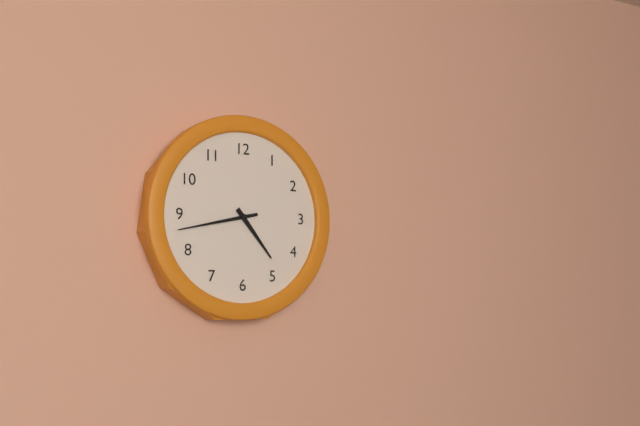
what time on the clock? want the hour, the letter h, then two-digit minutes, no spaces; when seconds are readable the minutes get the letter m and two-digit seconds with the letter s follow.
4h43
